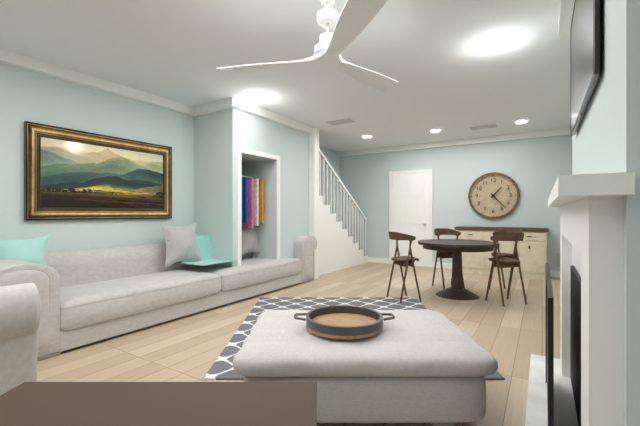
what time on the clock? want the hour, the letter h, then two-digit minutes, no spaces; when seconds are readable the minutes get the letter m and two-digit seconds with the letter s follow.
1h23
